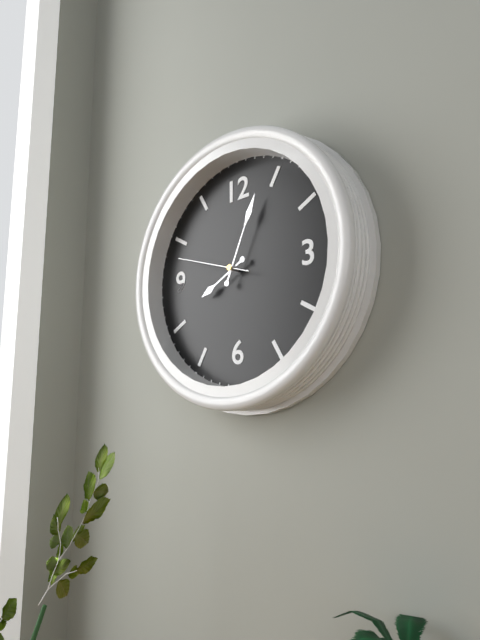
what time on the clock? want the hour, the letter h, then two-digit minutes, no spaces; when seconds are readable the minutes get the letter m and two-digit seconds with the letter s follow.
8h04m48s
